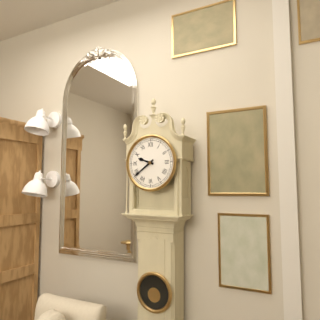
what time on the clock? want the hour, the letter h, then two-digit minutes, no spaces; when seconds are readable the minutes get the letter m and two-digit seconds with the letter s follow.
9h39
